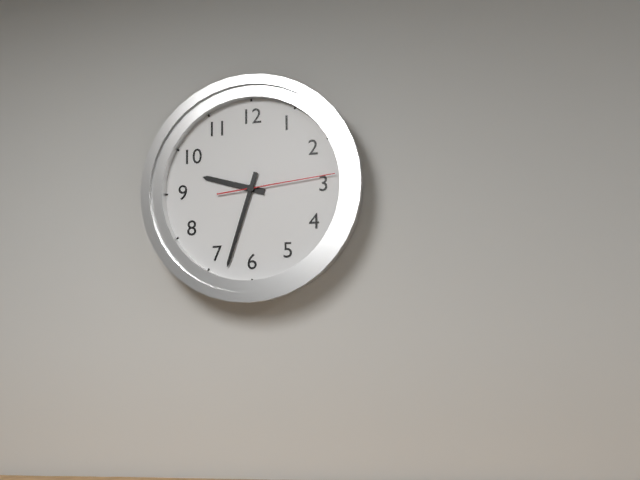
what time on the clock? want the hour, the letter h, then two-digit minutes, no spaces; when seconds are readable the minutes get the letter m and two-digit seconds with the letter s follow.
9h33m14s
